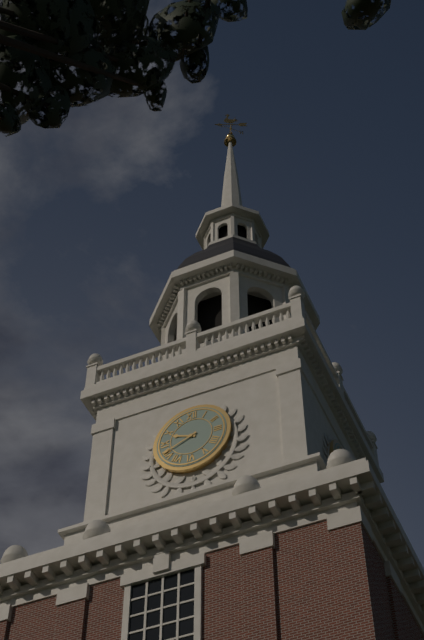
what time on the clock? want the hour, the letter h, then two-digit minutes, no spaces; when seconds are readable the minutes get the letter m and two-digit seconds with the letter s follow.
9h41
